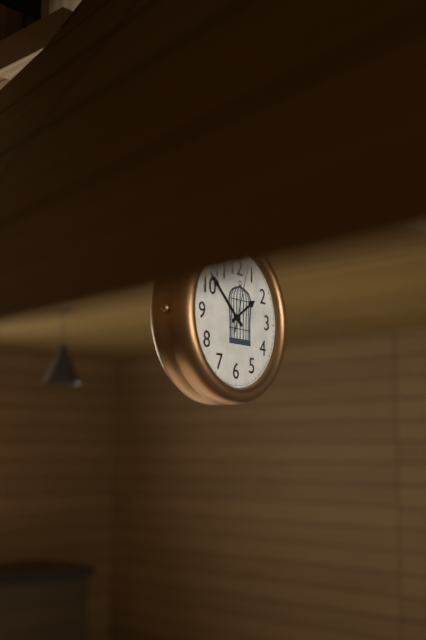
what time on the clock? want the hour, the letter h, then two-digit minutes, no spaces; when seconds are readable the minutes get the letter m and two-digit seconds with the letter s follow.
1h52m03s
